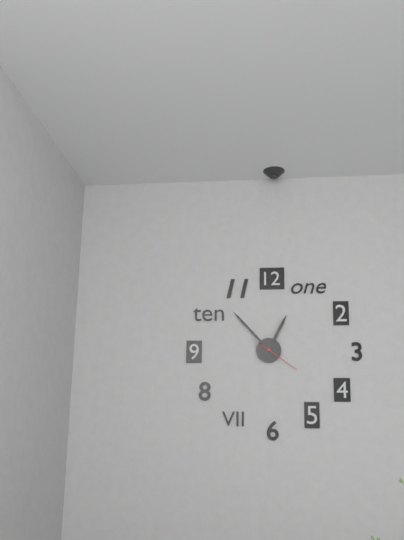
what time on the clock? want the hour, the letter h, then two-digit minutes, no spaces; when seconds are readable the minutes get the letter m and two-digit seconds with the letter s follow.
12h53
